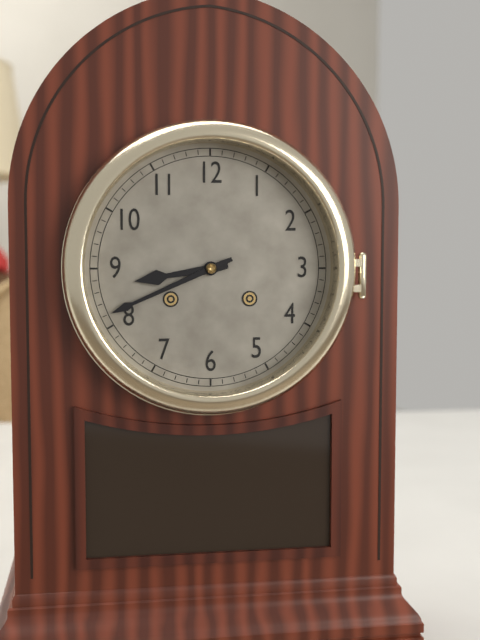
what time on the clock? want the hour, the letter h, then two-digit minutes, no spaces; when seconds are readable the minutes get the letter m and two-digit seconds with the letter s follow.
8h41
